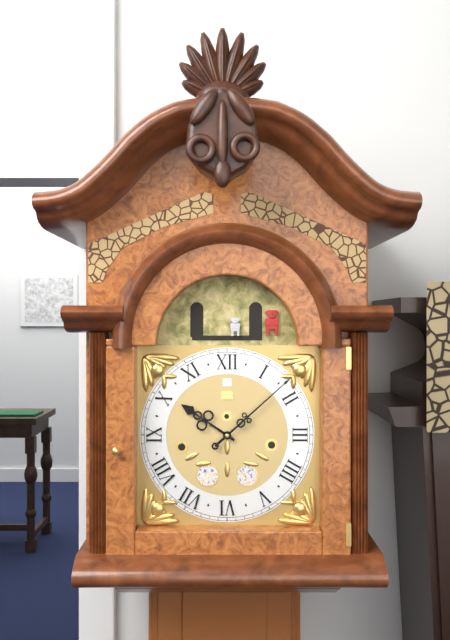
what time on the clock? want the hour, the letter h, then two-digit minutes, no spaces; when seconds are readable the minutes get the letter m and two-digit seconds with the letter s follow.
10h08
